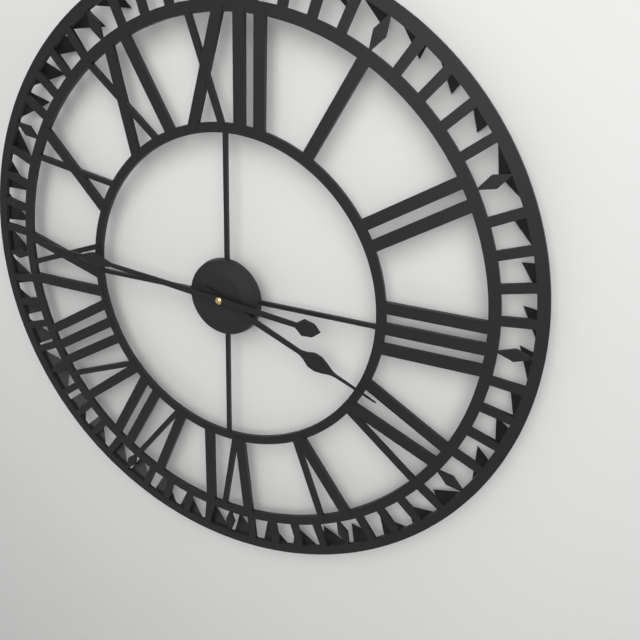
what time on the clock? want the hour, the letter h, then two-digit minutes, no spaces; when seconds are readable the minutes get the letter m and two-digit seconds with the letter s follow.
3h46
